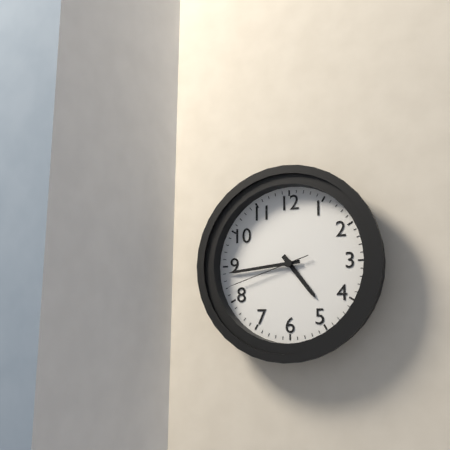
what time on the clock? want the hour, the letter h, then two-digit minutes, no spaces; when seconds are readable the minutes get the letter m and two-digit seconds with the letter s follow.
4h44m42s
